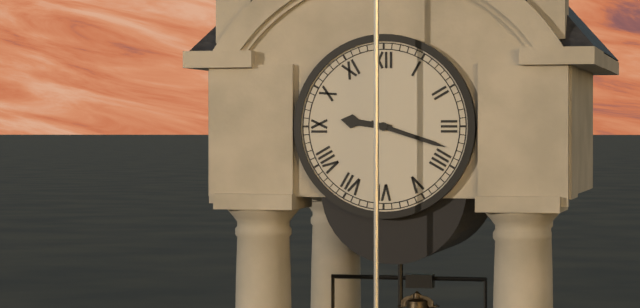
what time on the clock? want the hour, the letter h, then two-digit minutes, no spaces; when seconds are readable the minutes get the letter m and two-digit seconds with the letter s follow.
9h18
